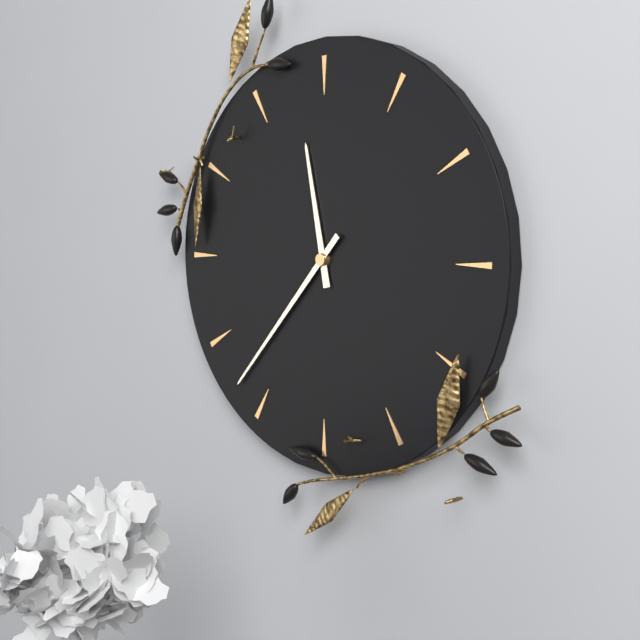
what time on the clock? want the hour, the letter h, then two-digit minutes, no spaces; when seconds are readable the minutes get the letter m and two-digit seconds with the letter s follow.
11h37
